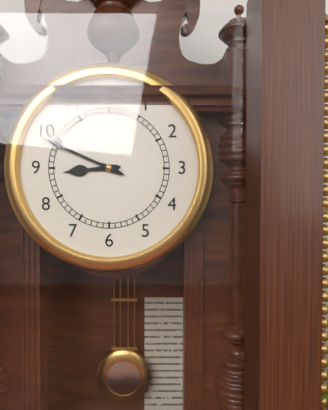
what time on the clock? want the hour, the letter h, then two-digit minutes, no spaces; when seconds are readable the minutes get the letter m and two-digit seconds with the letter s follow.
8h49
